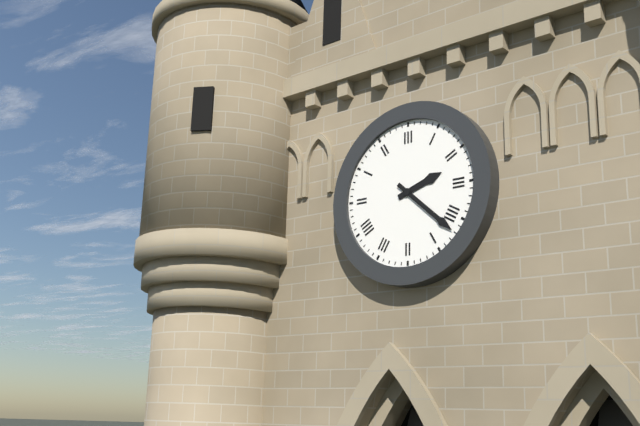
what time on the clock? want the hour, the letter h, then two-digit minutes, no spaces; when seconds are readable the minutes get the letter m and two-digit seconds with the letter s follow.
2h22
